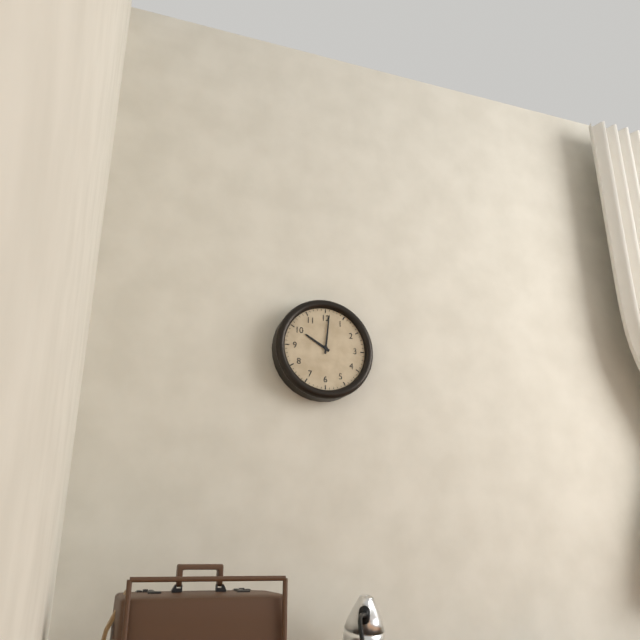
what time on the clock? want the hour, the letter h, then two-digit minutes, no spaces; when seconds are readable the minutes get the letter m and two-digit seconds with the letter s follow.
10h01
